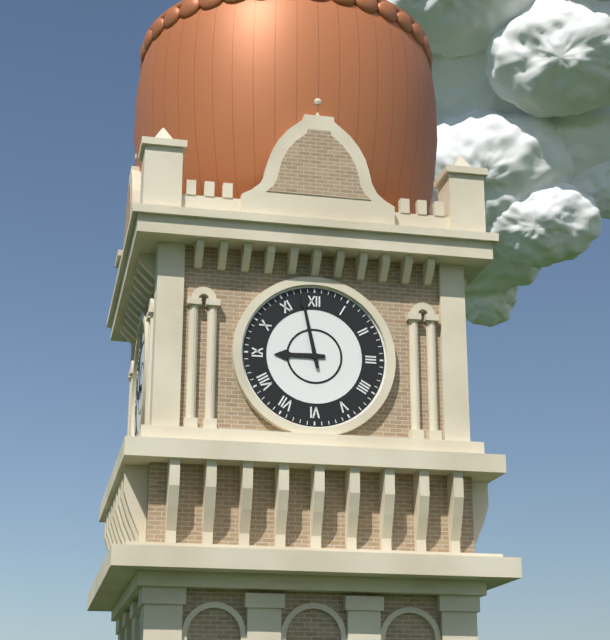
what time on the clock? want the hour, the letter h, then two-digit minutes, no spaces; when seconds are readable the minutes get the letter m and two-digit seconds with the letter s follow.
8h58
